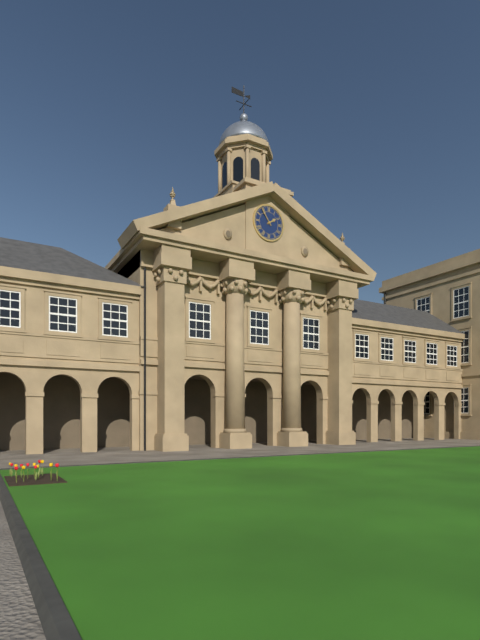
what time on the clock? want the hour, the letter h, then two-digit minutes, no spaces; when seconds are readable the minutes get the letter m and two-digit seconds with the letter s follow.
1h54
